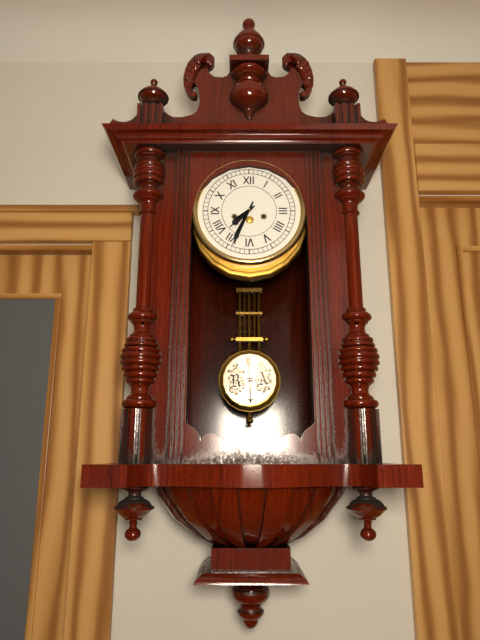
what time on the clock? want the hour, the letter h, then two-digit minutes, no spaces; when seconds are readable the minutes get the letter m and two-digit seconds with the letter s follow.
7h34
